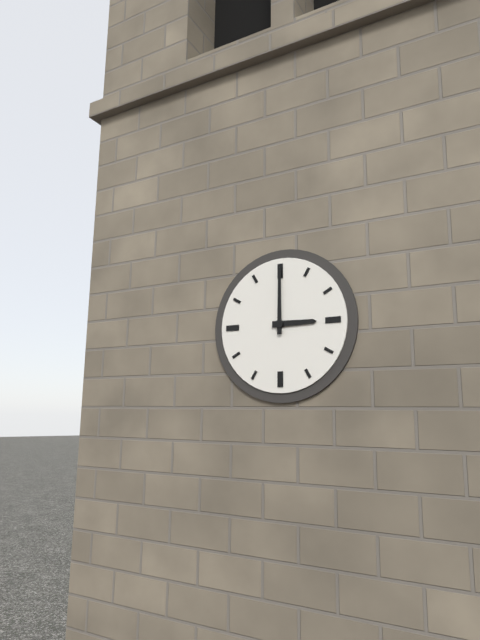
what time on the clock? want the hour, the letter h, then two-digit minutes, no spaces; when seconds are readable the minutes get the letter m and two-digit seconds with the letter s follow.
3h00
